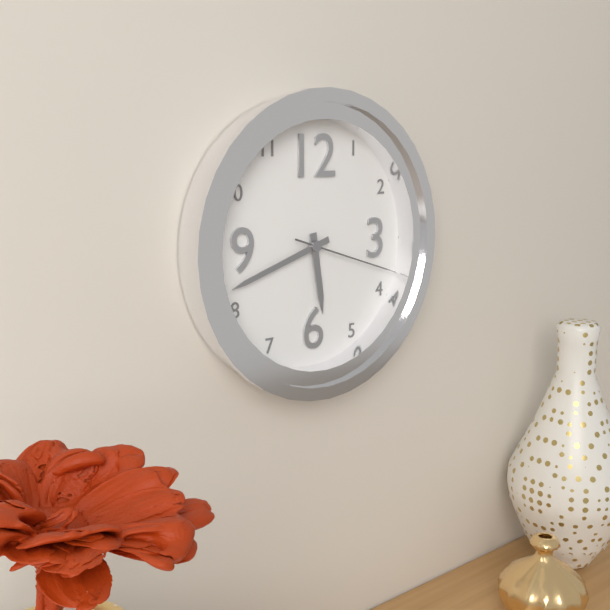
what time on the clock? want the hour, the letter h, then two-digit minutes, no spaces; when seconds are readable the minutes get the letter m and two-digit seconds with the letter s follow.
5h42m18s
